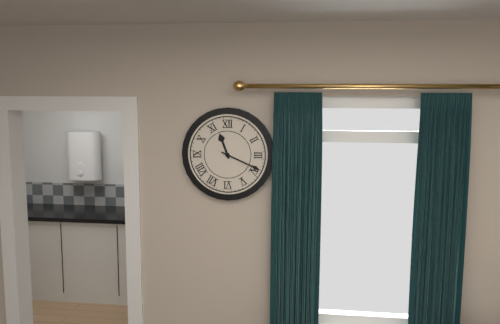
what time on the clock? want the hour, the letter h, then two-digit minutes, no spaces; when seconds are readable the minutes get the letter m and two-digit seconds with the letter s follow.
11h19
